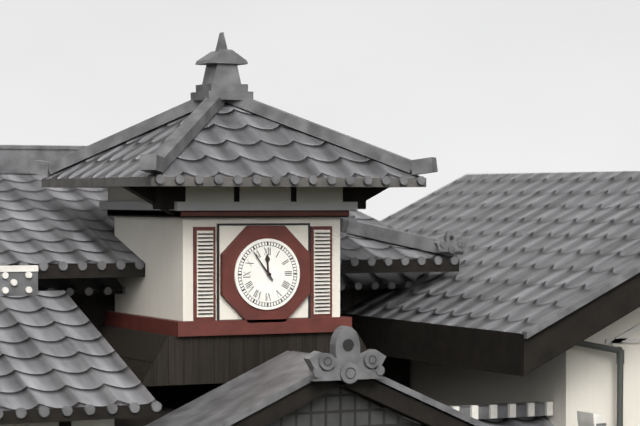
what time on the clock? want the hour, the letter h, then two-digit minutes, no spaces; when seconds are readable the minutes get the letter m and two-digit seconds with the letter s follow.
11h54
